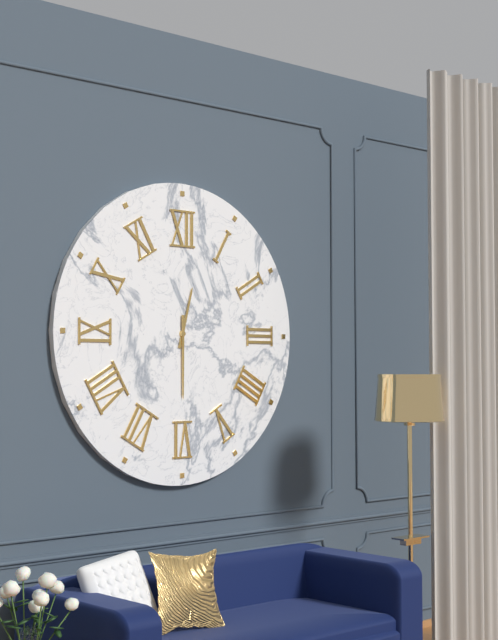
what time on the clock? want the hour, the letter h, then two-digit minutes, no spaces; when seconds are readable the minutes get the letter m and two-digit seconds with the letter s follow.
12h30
